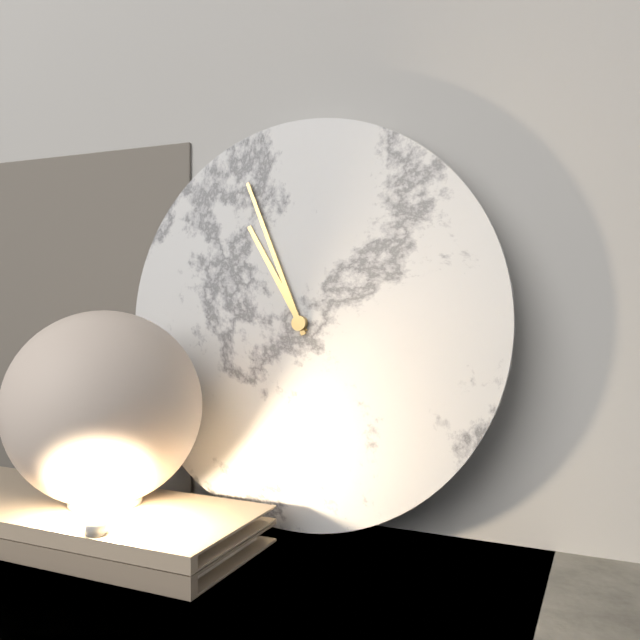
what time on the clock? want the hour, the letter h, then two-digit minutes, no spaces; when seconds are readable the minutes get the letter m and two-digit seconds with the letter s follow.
10h56
